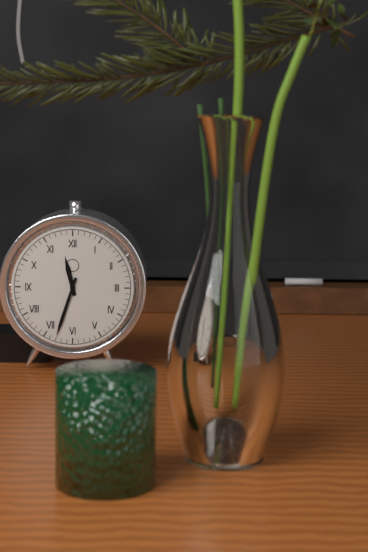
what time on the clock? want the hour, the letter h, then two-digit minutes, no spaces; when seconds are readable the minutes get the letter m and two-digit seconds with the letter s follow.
11h33
